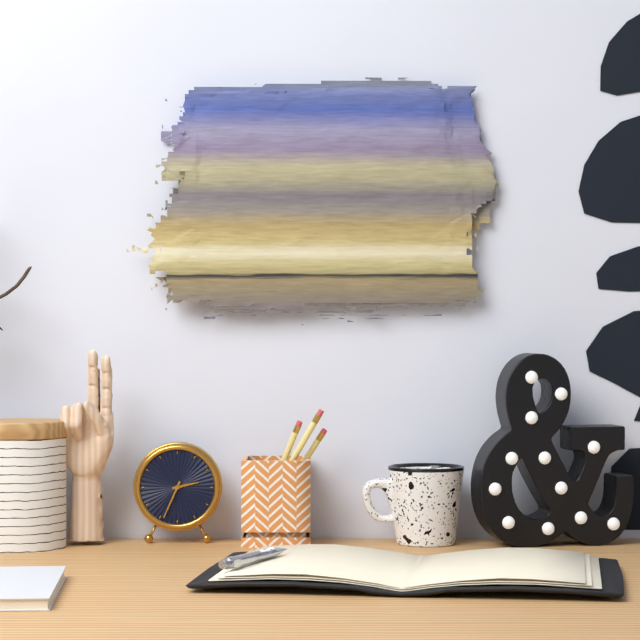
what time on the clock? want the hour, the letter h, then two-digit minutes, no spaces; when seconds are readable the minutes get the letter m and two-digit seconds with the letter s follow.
2h34
